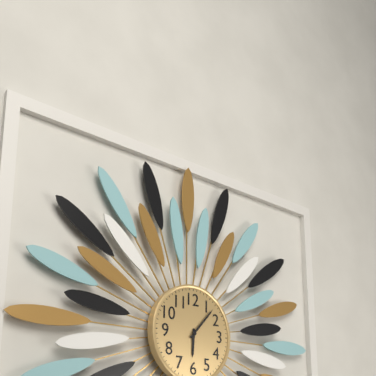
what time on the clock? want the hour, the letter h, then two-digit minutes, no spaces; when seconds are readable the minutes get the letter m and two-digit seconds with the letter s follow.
6h07
